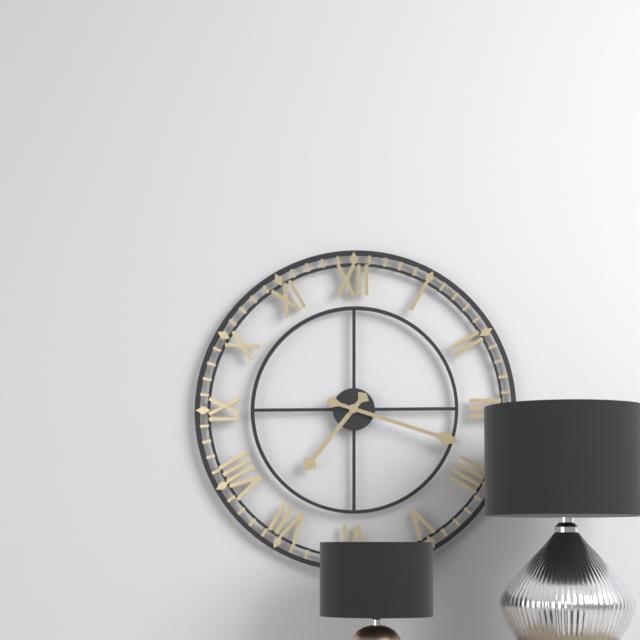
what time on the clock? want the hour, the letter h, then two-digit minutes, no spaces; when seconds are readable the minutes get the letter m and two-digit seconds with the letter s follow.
7h18
